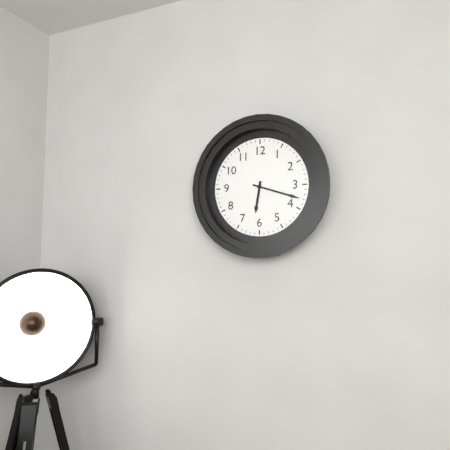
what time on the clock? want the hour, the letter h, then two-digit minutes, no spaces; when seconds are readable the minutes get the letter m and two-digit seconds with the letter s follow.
6h18
